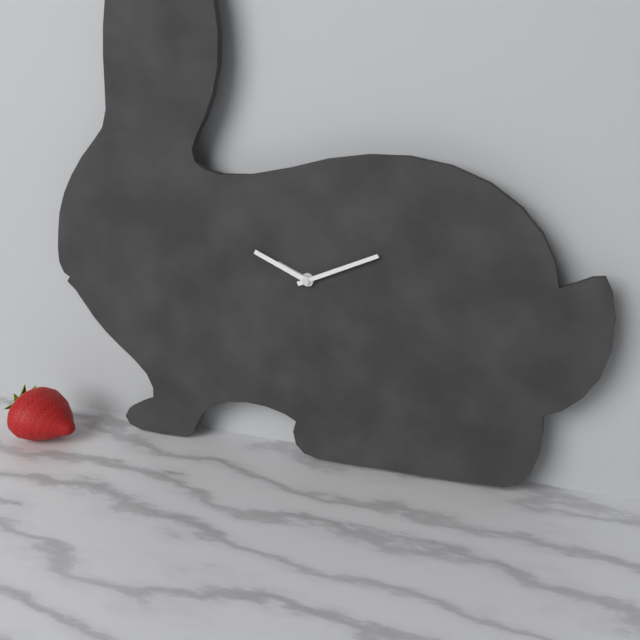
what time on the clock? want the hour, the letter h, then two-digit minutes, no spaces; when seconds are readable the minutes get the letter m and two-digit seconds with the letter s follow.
9h49m11s
